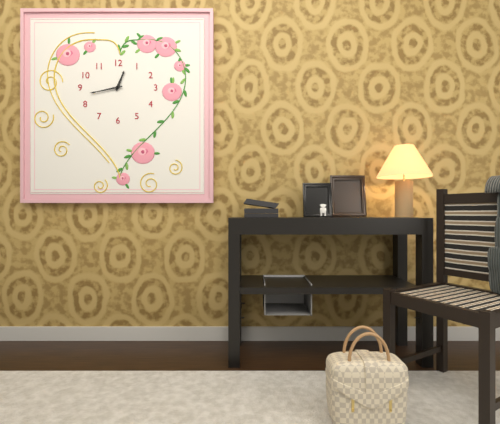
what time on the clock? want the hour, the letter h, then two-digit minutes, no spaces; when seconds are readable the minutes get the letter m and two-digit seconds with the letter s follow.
12h43
